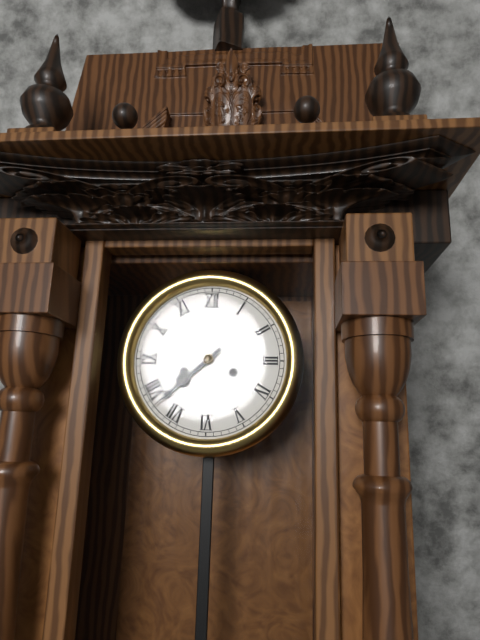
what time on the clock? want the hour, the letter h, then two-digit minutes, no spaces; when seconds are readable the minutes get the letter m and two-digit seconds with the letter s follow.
7h38
